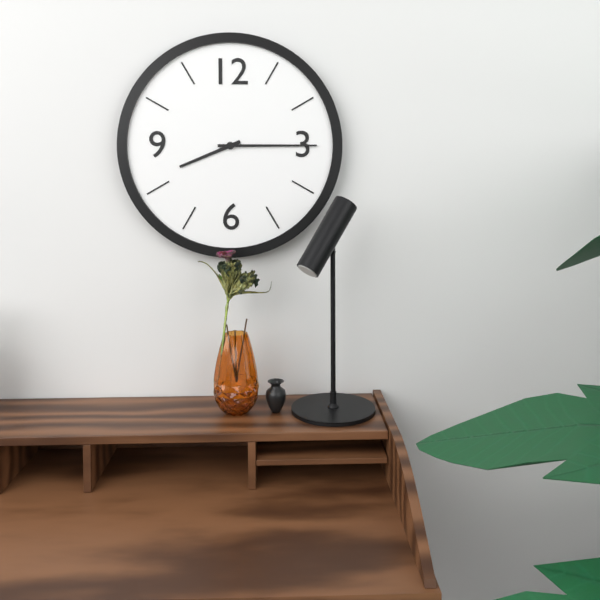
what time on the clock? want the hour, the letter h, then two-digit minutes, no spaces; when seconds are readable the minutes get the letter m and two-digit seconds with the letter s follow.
8h15
